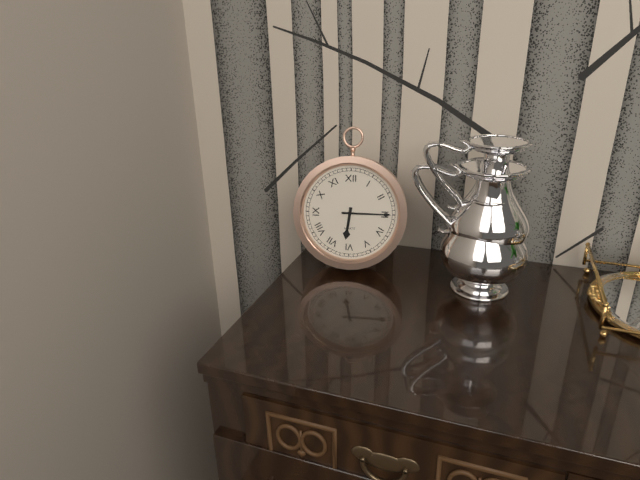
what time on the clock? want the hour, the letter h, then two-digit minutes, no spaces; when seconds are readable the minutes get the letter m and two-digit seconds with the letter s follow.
6h15
